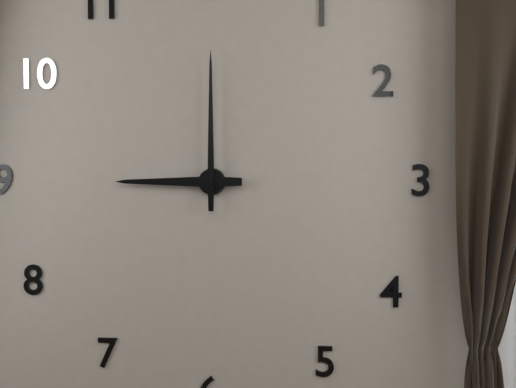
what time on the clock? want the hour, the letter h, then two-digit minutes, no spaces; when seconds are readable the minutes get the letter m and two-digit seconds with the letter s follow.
9h00
